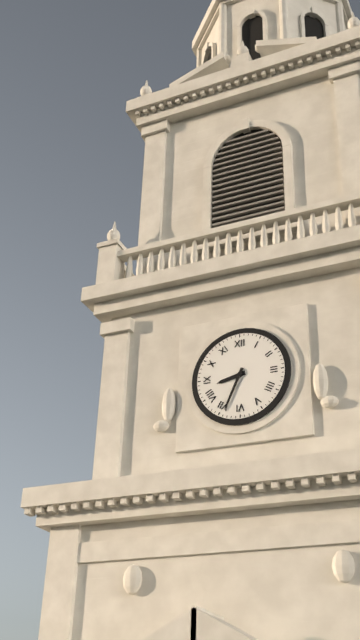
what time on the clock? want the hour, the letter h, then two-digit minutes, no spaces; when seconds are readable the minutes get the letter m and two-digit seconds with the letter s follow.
8h34
